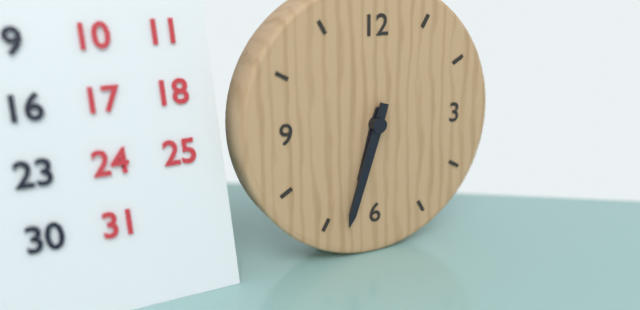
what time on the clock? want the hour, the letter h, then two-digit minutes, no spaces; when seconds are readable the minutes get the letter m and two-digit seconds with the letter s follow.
6h33
